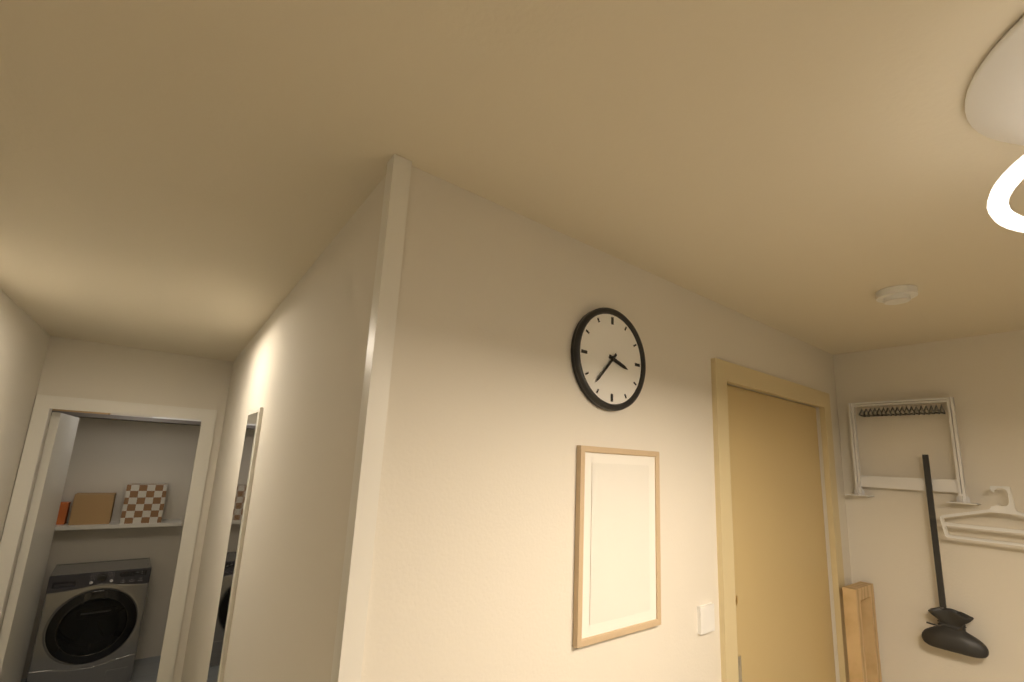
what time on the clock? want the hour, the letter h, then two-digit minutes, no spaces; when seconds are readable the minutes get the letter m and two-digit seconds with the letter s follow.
3h37
